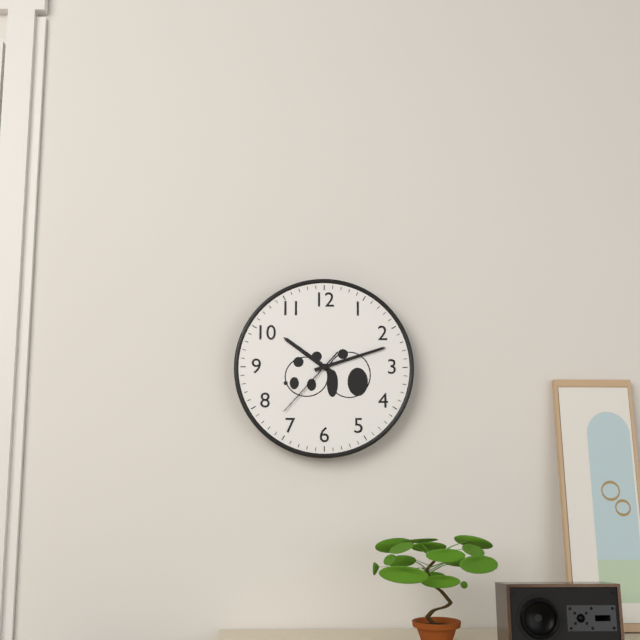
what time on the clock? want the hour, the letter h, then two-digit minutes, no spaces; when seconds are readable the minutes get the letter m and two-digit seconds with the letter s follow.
10h12m37s
